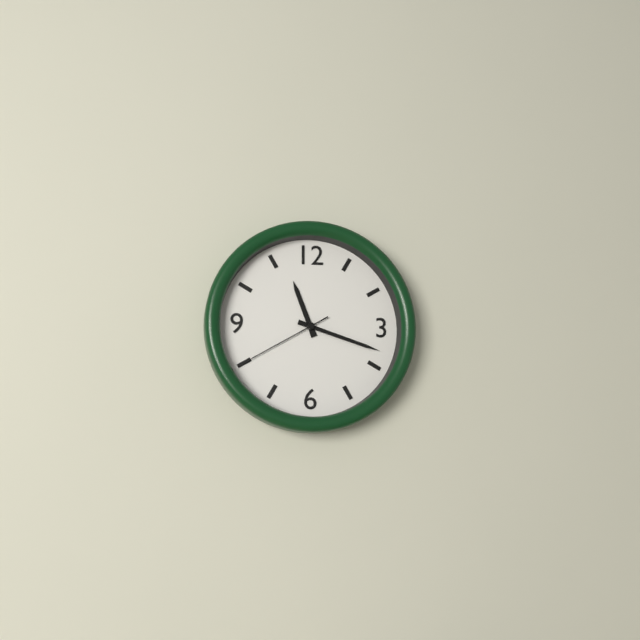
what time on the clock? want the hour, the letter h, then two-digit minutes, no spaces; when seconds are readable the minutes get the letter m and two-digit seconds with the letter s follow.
11h18m40s
